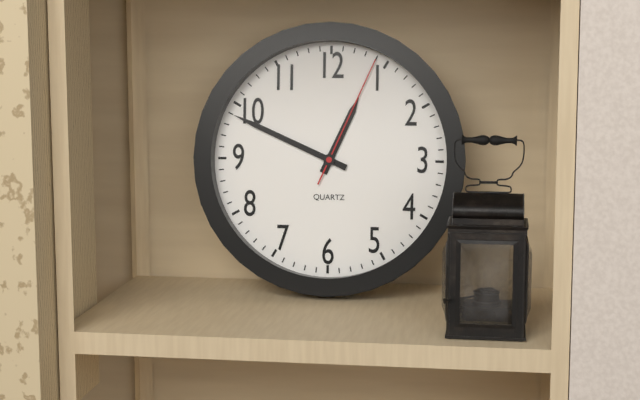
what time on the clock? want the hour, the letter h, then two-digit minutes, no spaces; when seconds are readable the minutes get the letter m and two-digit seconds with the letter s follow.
12h49m04s
